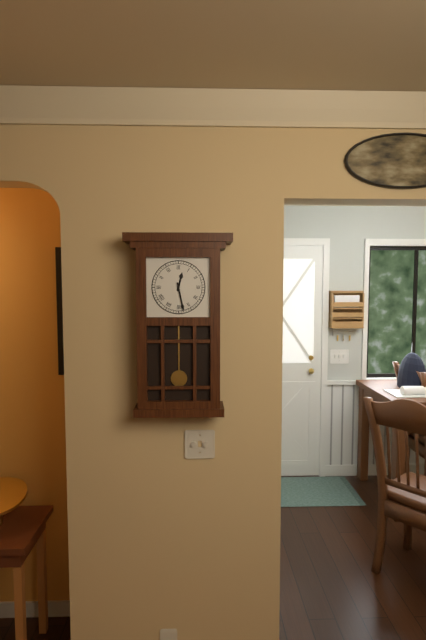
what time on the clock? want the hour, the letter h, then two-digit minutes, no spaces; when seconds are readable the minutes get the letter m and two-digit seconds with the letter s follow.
12h28
